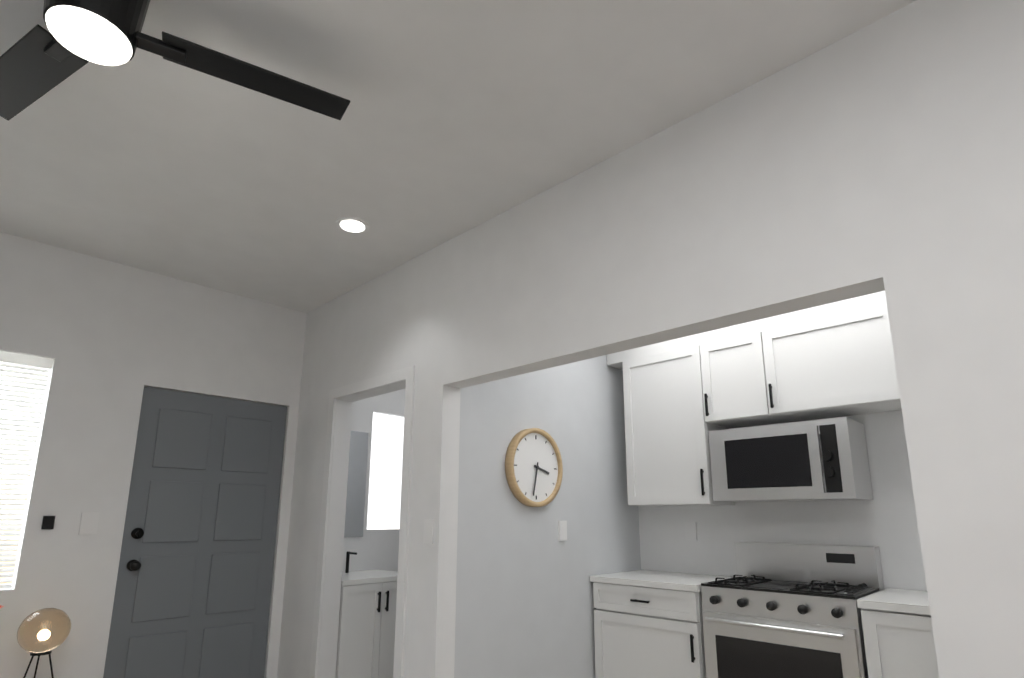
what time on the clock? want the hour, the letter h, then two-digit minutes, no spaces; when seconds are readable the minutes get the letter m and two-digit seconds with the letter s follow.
3h32
